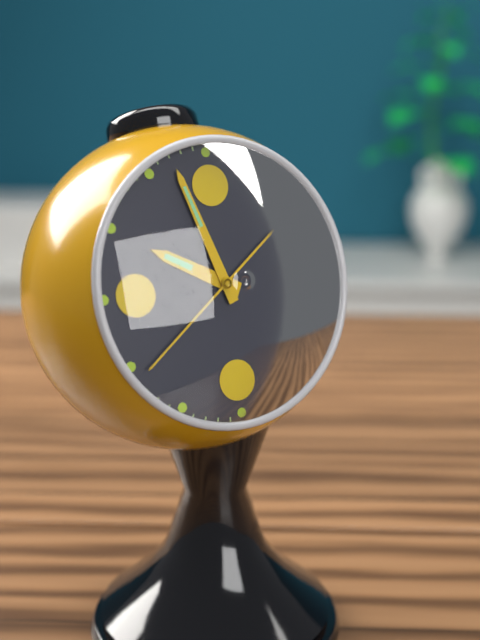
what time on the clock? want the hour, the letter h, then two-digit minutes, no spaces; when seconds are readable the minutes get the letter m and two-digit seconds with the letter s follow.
9h57m39s
